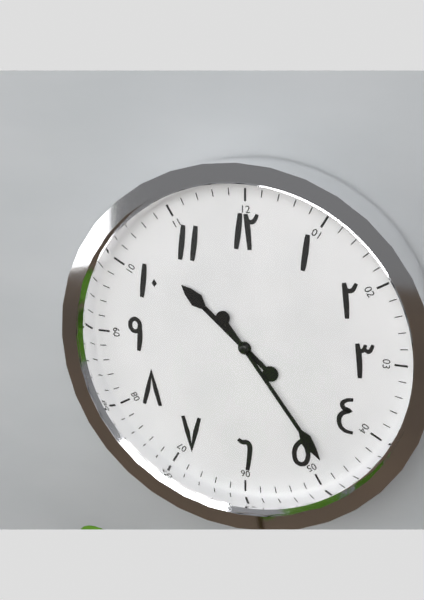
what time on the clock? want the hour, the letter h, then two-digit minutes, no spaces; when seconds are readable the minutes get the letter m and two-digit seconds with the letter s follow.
10h24
